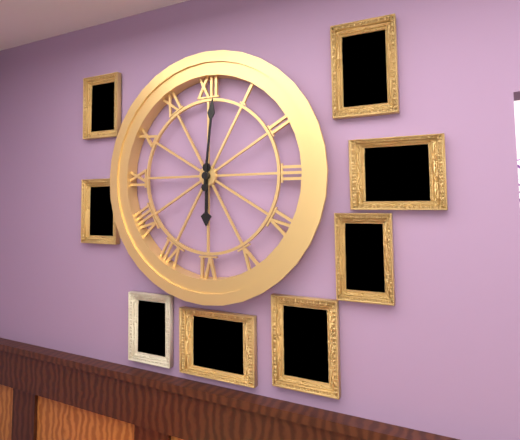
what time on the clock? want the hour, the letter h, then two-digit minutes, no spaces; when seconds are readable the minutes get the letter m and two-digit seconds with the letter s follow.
6h01
